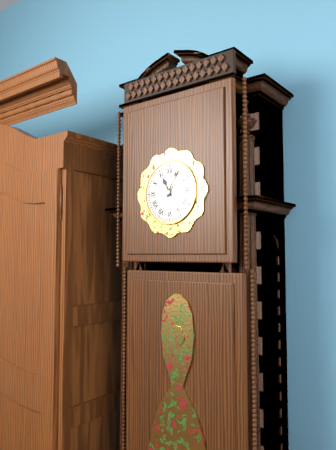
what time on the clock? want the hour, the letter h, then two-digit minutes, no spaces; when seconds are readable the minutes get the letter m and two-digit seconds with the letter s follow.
11h04
